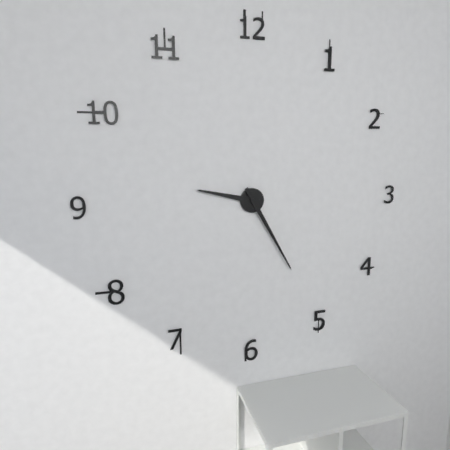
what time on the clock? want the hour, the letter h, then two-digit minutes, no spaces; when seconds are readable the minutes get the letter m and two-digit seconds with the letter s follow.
9h25
